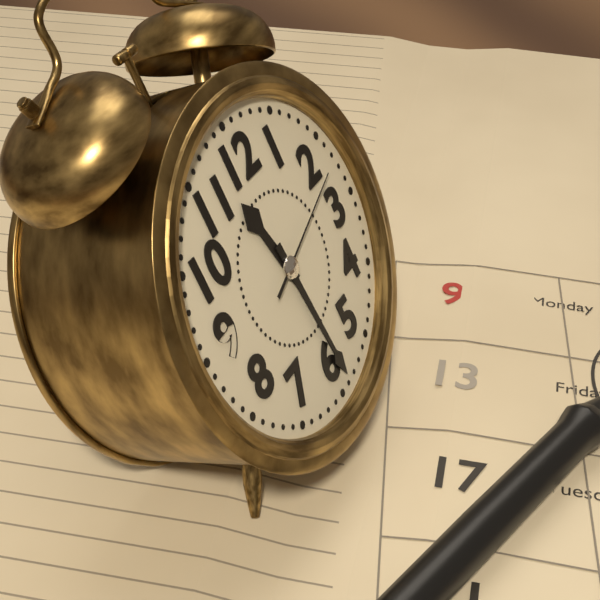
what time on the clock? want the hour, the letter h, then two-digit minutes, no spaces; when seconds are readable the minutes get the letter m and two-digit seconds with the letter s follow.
11h29m12s
